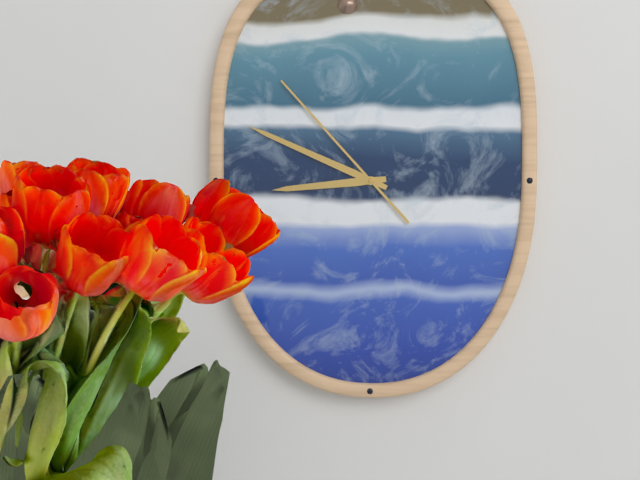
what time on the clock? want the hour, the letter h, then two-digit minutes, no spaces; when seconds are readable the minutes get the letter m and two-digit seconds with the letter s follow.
8h49m53s
